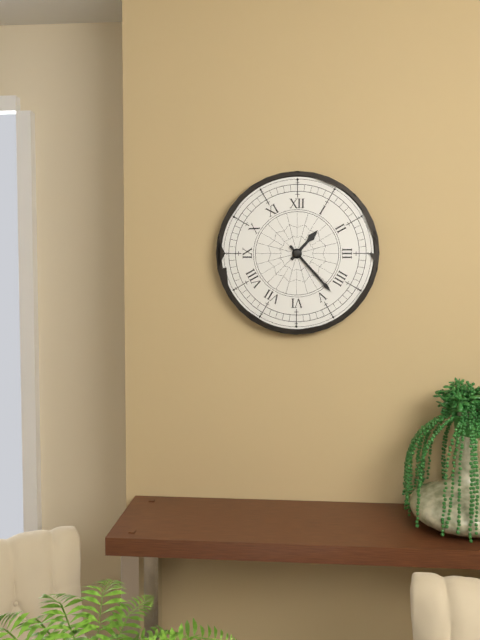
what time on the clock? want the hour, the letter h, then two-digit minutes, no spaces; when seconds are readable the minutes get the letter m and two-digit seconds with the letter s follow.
1h23
